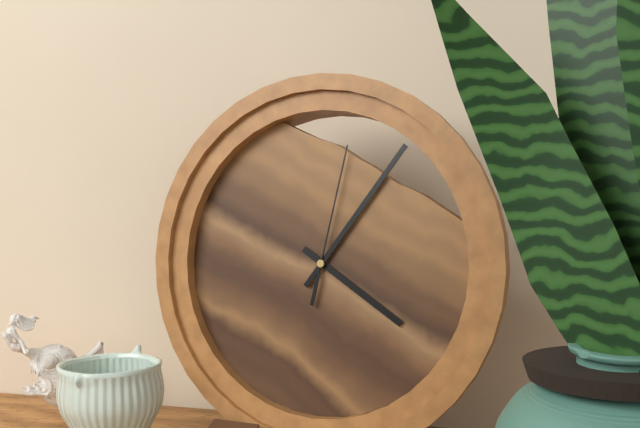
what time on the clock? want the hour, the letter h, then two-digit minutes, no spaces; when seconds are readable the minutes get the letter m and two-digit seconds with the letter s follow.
4h06m02s
